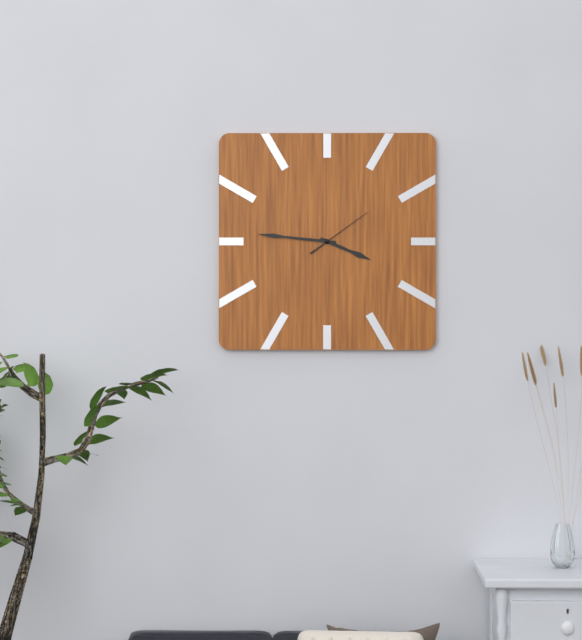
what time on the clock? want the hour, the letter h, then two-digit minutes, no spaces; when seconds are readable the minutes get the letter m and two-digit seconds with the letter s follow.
3h46m09s
